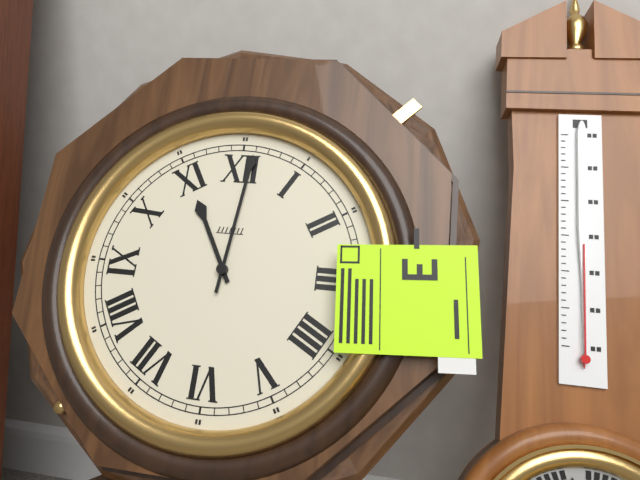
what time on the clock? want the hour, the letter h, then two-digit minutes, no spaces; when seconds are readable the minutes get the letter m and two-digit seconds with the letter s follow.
11h01
